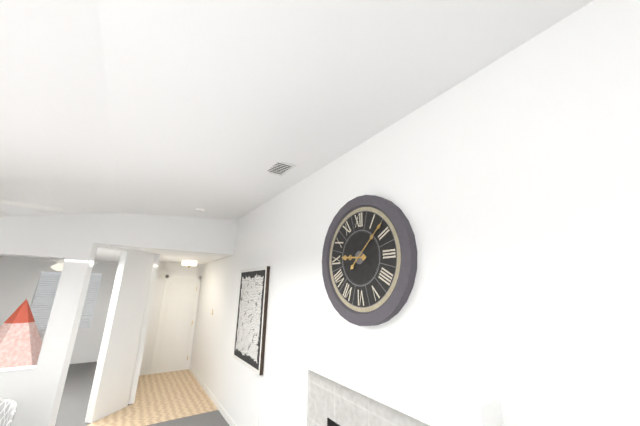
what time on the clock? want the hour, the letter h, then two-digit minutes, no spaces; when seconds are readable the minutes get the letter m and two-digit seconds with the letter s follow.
9h08
